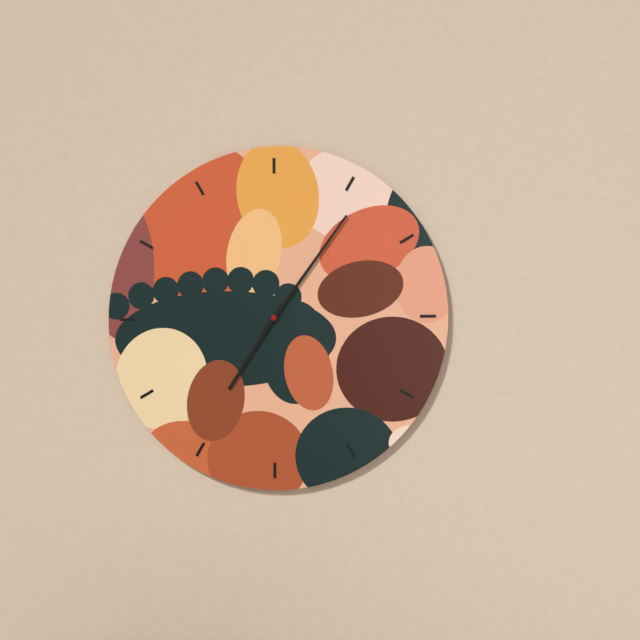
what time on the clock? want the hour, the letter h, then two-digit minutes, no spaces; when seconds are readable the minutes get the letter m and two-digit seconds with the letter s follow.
7h06
